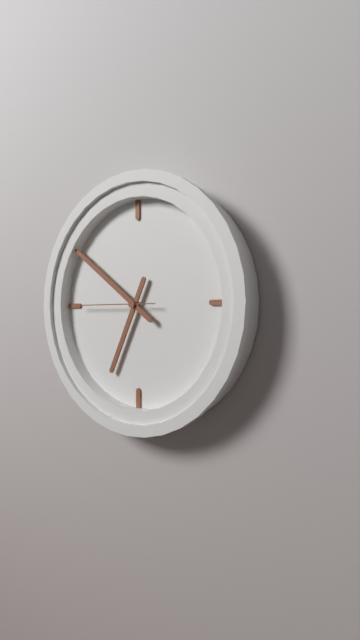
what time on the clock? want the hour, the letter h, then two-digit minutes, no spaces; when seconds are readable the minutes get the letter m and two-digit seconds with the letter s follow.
6h51m45s
